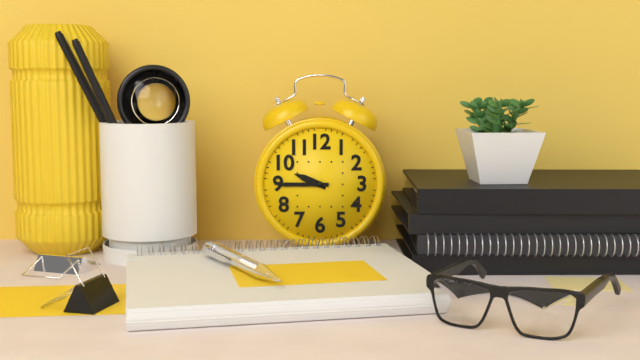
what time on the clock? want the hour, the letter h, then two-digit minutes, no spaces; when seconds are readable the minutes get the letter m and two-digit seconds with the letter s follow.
9h45
